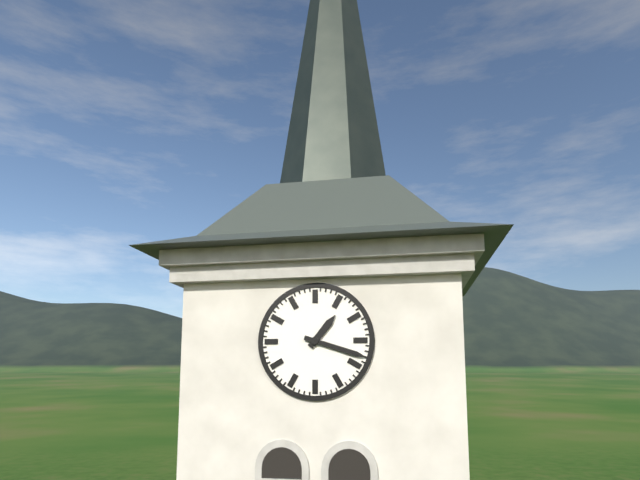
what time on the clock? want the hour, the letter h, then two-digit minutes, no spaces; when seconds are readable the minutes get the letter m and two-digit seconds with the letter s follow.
1h18
